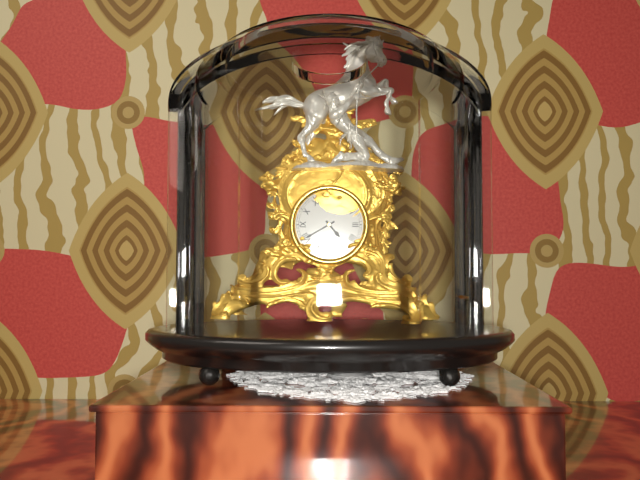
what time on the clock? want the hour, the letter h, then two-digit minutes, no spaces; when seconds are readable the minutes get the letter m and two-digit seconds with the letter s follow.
4h40
